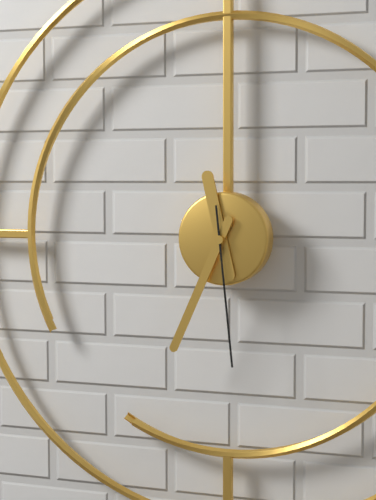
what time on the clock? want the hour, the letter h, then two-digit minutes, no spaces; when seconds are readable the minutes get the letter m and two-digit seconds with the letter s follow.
11h34m29s
